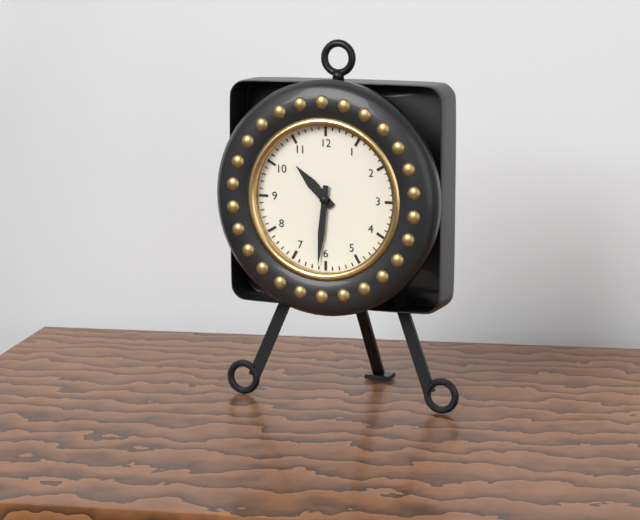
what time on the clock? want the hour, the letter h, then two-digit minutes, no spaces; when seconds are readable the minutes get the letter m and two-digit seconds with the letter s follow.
10h31
